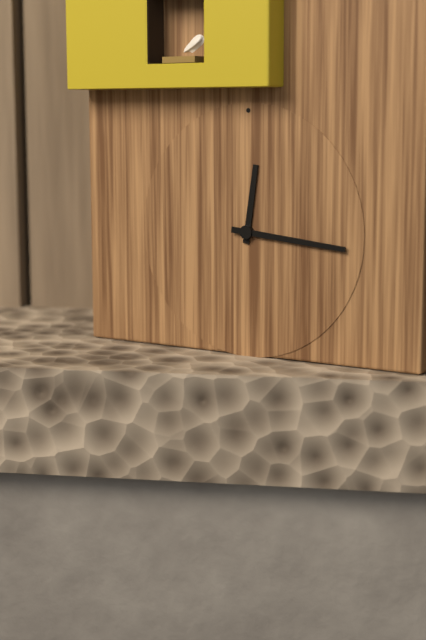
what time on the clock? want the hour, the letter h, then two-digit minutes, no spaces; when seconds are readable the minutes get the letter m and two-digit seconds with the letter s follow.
12h16
